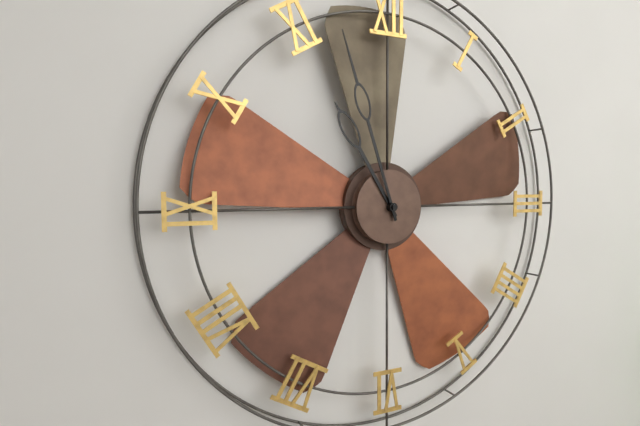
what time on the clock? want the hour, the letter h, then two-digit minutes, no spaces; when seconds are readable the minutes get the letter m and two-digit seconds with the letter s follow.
10h57
